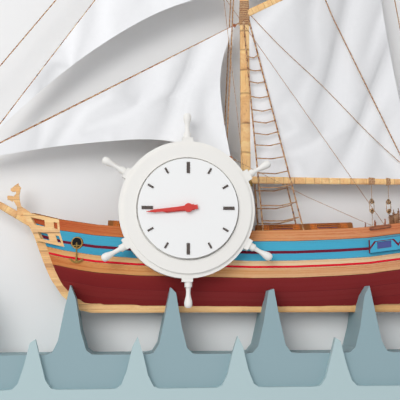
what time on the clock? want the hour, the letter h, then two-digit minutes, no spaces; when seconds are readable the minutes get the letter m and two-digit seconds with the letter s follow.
8h44
